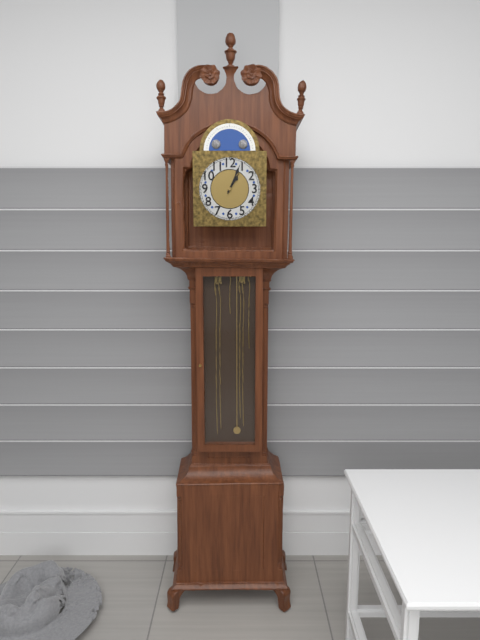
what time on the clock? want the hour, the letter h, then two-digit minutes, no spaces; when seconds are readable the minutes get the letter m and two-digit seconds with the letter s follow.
1h04
